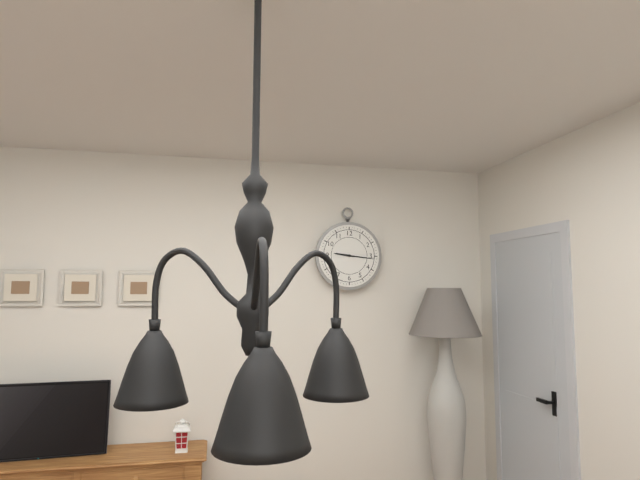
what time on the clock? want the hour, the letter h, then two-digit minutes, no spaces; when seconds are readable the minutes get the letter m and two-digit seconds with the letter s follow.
9h16
